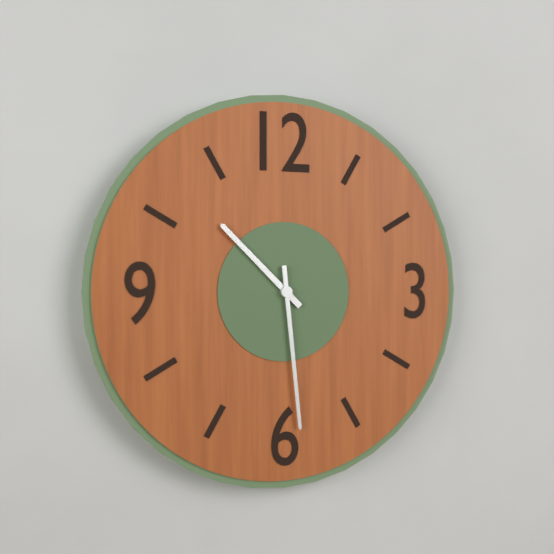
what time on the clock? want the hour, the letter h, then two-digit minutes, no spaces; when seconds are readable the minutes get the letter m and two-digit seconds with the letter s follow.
10h29
